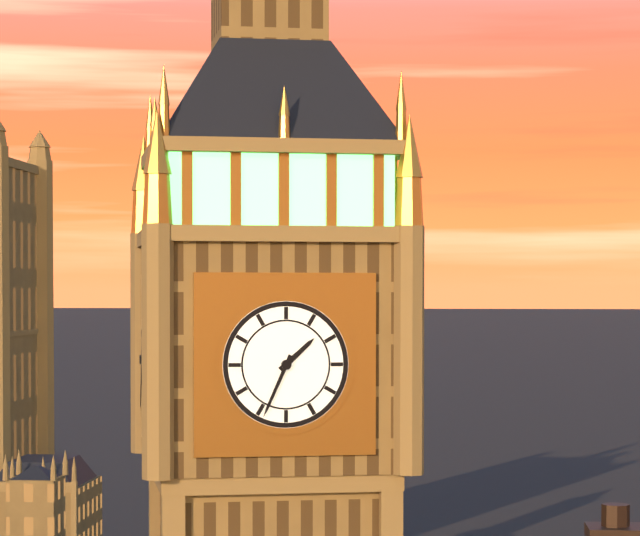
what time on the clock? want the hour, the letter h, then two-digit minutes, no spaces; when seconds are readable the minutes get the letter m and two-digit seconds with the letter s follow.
1h34
